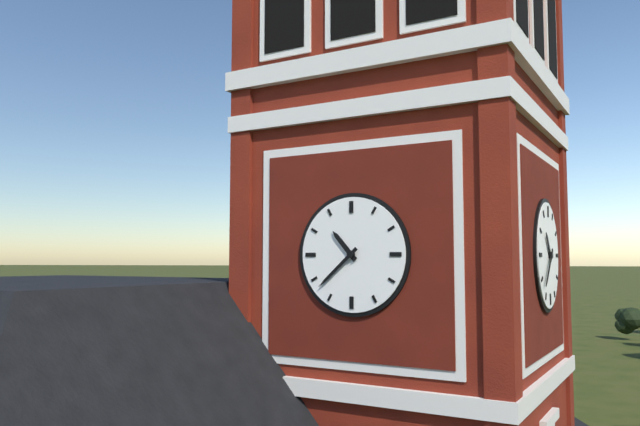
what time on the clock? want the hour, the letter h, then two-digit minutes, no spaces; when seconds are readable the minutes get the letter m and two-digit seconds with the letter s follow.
10h38
